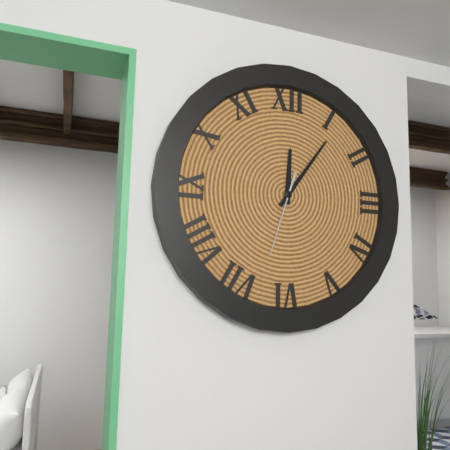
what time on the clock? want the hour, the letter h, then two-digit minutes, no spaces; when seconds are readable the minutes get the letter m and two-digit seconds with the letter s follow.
12h06m33s
